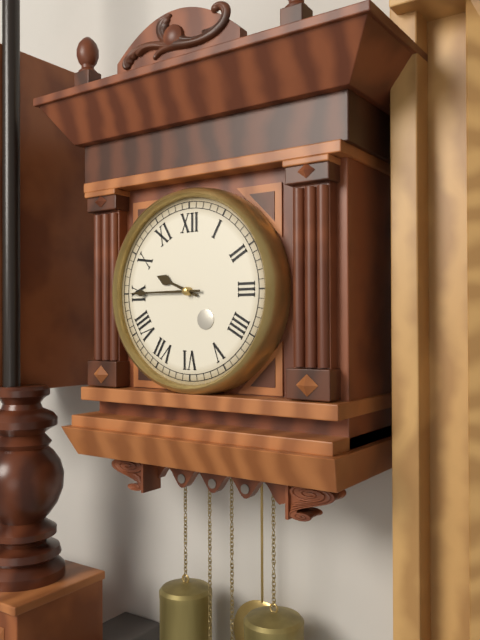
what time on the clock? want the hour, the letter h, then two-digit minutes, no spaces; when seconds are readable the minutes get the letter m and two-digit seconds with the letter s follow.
9h45
